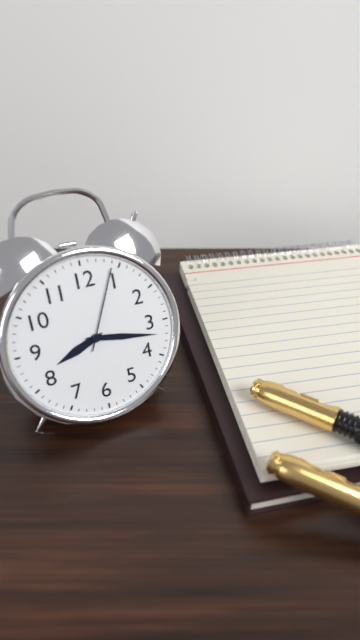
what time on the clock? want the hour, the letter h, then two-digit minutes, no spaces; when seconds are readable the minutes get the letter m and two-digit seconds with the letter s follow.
8h17m04s
